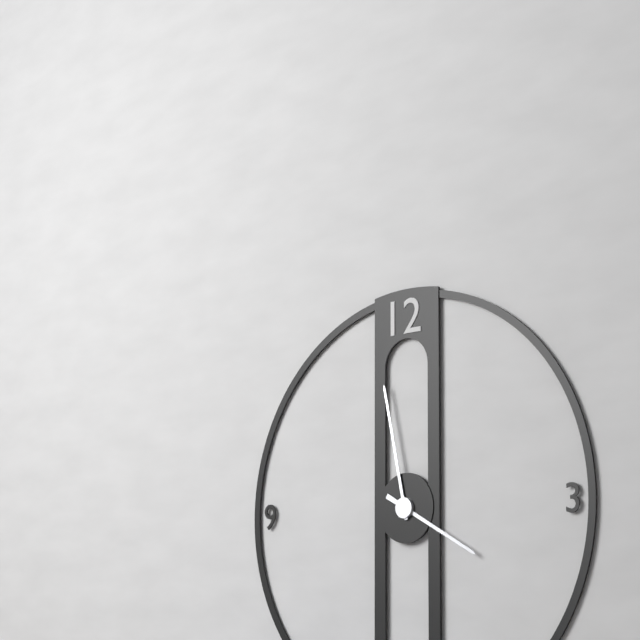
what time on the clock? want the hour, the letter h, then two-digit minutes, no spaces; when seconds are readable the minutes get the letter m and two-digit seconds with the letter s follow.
3h58
